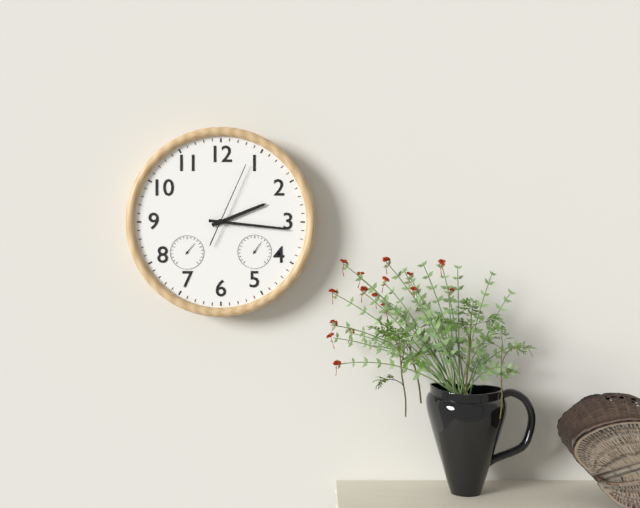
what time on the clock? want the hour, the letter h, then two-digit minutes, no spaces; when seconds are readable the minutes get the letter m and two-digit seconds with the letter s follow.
2h16m04s
